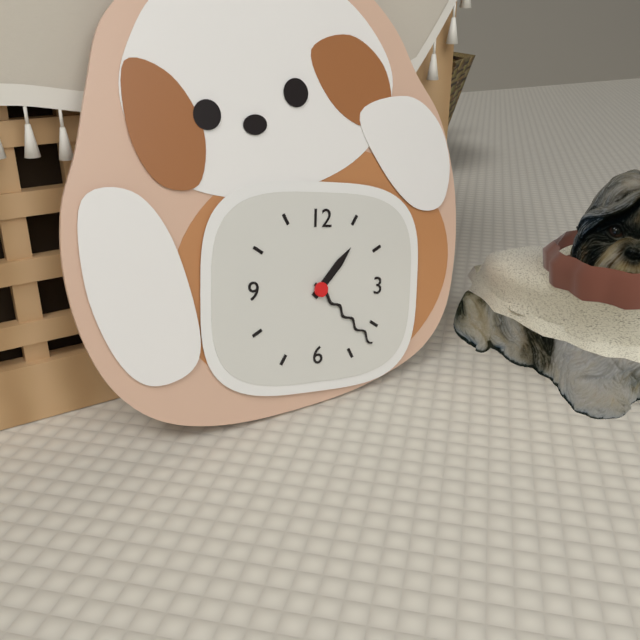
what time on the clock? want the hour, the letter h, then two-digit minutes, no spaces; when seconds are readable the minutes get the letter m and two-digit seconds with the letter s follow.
1h22
